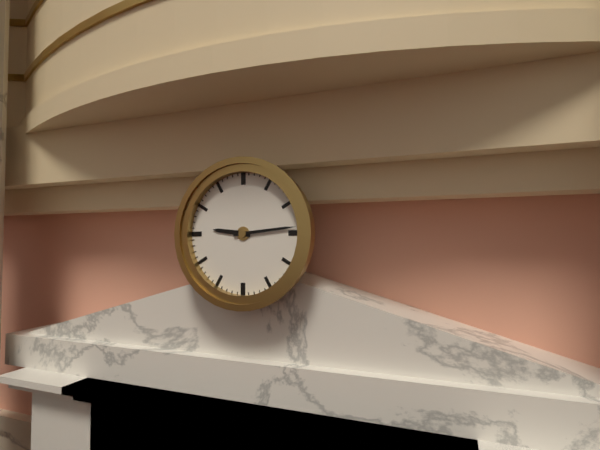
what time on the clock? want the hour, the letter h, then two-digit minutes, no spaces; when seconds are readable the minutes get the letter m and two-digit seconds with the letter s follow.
9h14
